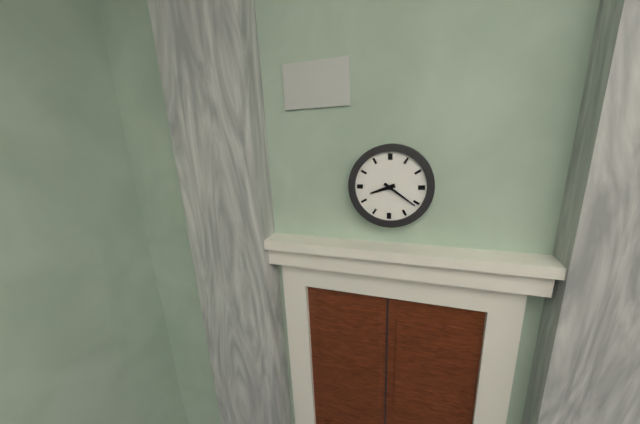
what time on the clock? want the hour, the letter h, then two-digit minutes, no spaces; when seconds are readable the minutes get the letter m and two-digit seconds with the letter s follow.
8h21
